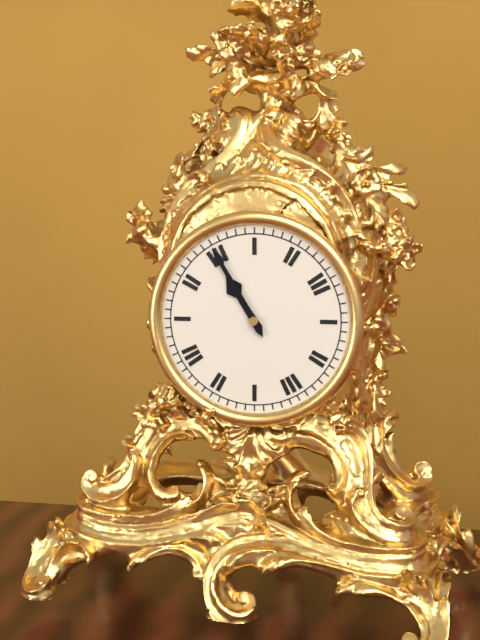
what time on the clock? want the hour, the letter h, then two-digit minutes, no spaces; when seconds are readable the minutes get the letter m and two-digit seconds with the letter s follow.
10h55
